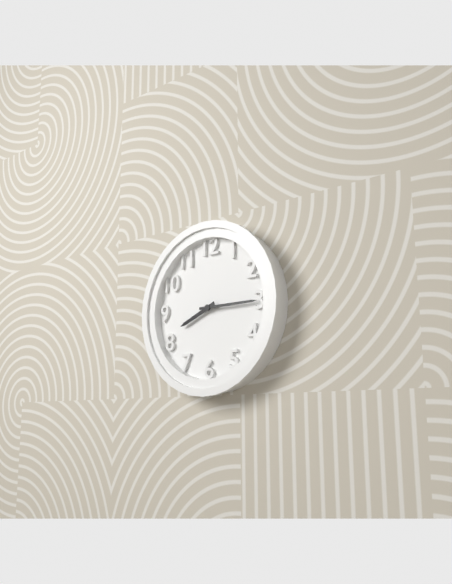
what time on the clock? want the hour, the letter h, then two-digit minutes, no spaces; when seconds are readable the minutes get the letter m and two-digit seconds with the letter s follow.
8h15
